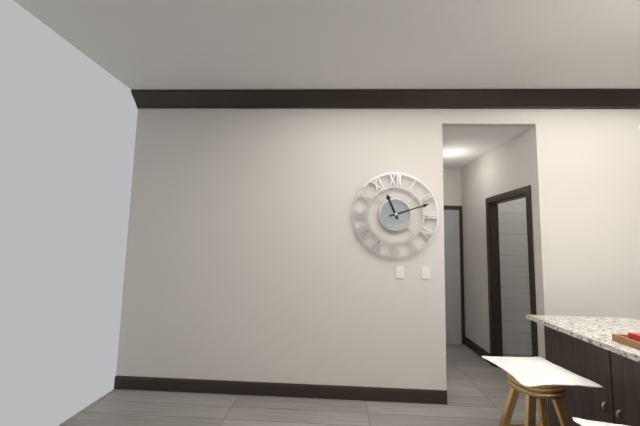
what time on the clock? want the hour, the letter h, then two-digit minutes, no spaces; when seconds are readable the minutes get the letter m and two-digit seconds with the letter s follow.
11h12
